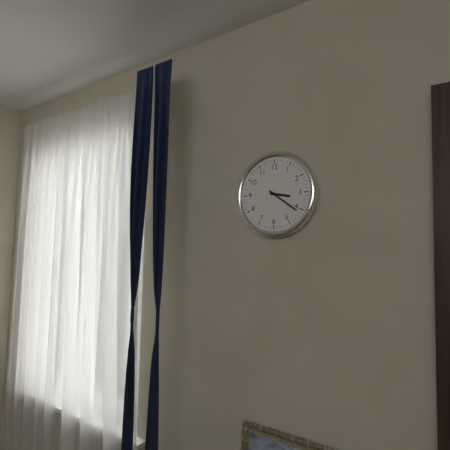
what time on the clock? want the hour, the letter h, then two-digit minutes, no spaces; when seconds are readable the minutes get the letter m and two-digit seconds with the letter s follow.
3h21
